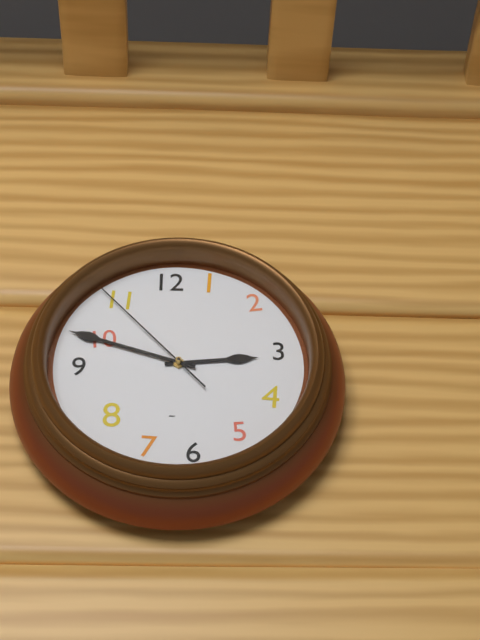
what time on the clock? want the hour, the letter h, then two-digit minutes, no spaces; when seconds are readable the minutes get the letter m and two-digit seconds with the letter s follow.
2h48m53s
